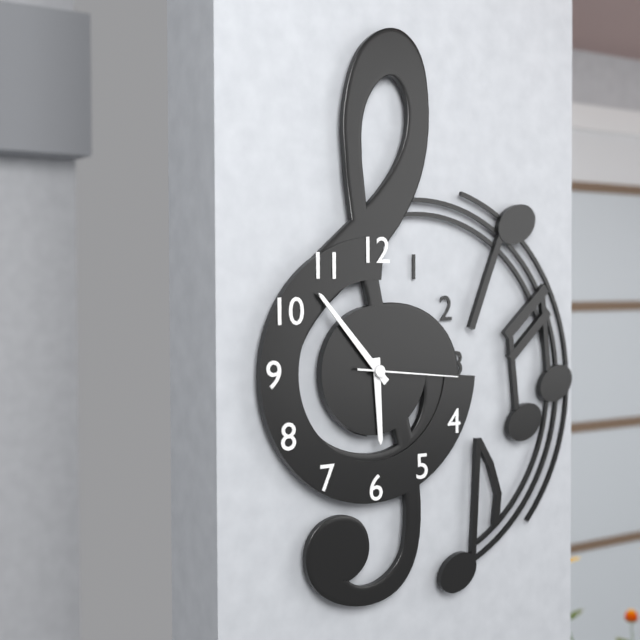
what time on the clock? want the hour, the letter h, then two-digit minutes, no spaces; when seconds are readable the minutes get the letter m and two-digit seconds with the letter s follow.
5h53m16s
